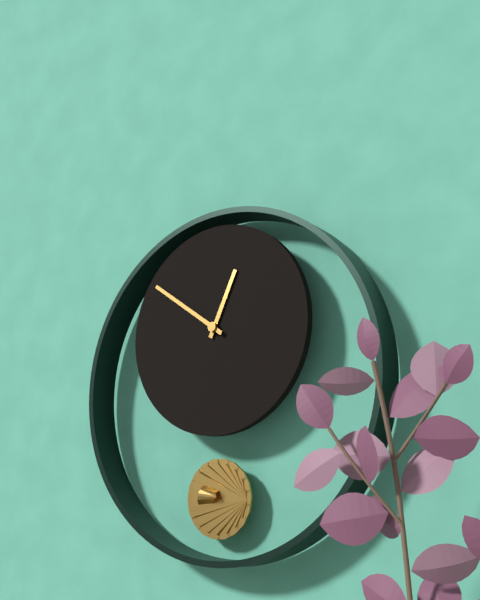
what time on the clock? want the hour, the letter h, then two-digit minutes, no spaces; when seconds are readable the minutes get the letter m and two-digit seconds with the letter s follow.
12h51
